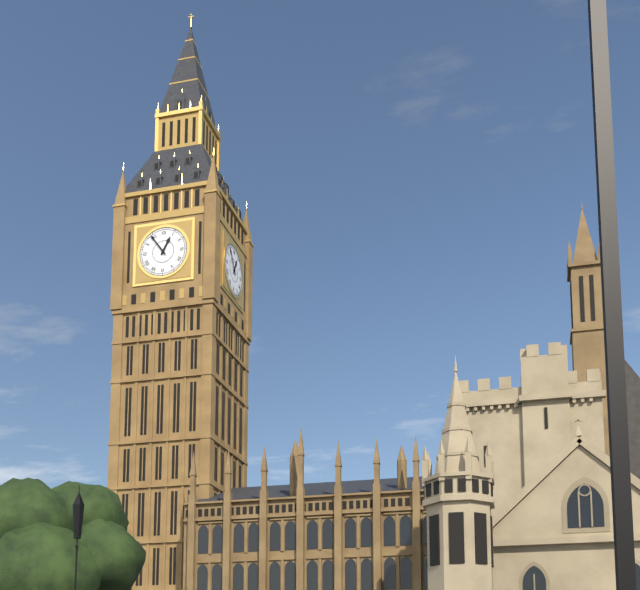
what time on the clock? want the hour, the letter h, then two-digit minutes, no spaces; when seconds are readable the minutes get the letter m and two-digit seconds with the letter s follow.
12h54
